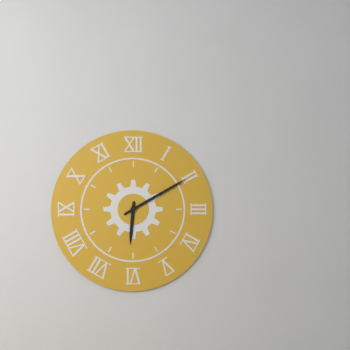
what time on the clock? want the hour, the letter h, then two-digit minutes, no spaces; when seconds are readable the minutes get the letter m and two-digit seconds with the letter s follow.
6h10
